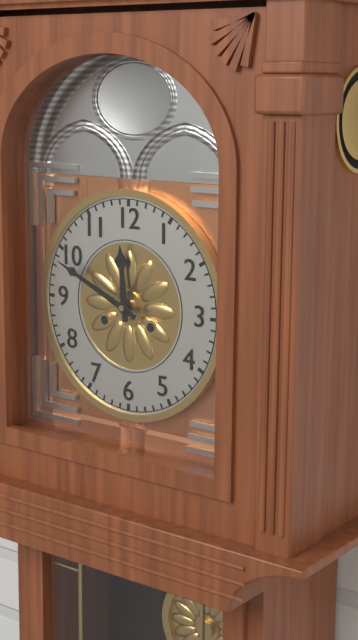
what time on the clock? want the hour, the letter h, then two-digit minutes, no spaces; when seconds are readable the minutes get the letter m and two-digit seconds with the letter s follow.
11h49
